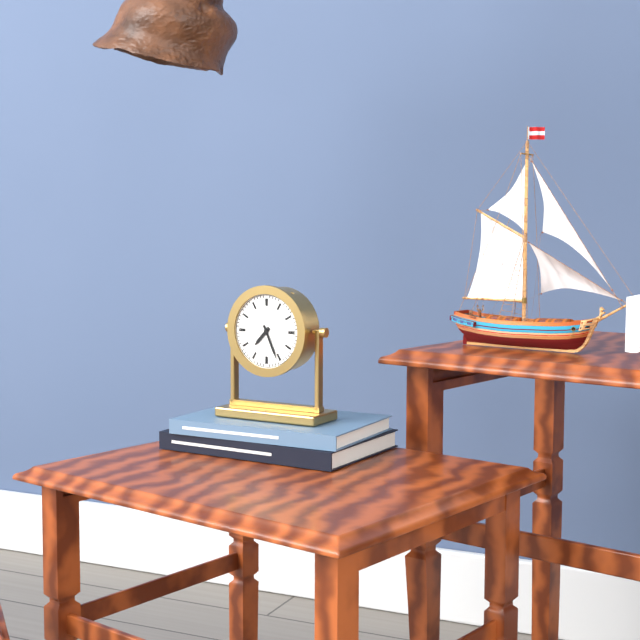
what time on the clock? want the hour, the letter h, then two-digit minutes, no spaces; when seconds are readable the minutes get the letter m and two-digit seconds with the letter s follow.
7h26
